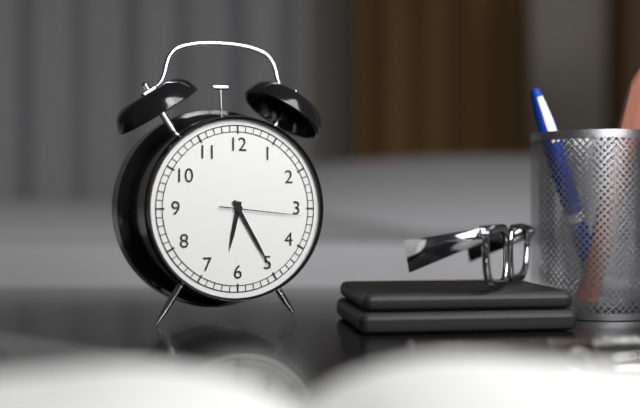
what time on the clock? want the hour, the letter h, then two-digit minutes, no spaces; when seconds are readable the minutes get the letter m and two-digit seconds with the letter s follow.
6h25m16s
